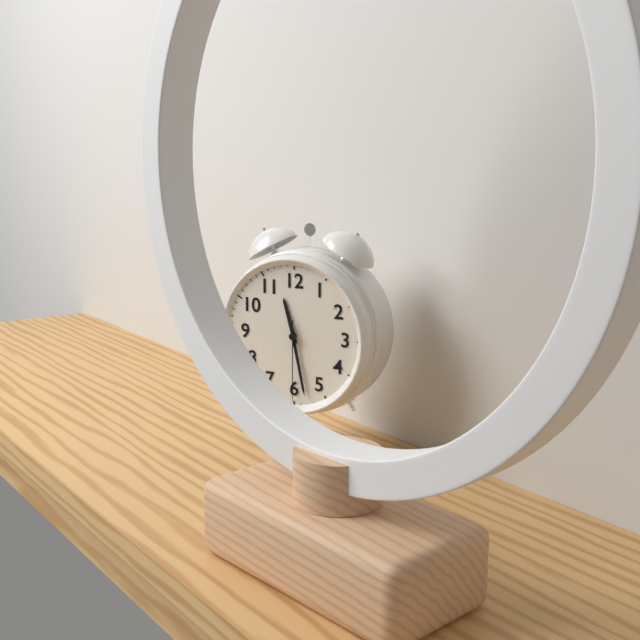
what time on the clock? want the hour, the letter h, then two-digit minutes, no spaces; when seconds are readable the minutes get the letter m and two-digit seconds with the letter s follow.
11h28m30s
